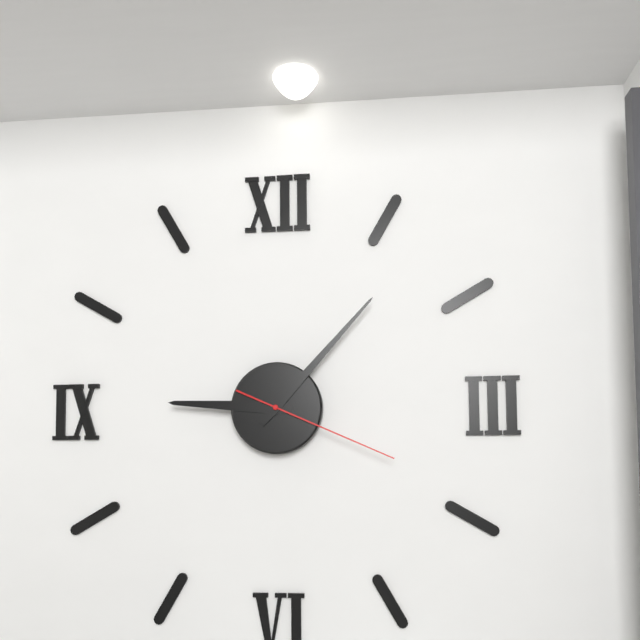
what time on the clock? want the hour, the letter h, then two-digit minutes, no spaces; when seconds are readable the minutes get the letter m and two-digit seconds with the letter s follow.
9h07m19s
